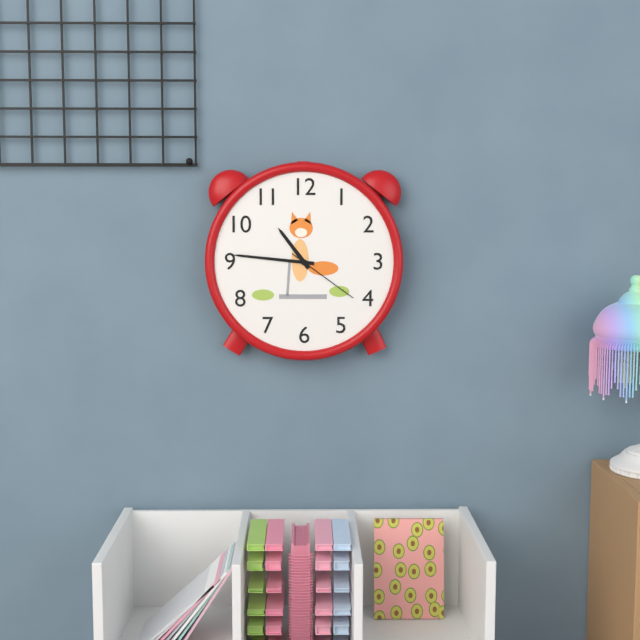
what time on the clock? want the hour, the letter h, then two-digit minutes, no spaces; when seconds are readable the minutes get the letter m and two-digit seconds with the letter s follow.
10h46m21s
